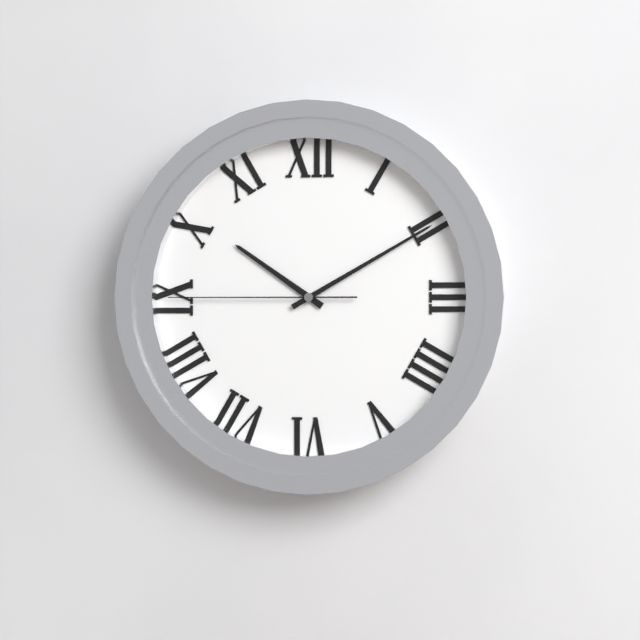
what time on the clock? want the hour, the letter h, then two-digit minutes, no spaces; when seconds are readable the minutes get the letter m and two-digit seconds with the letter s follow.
10h10m45s
